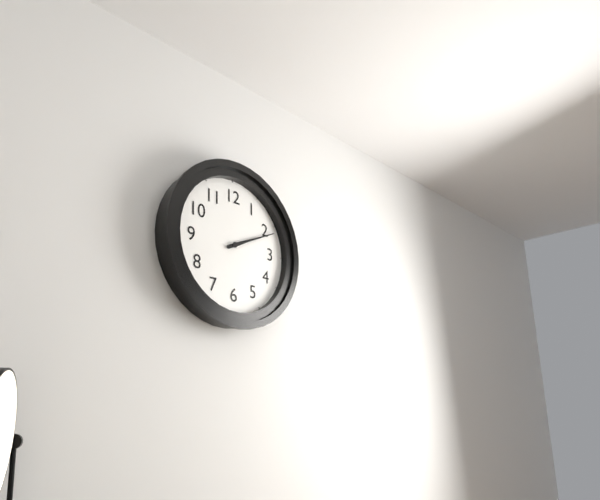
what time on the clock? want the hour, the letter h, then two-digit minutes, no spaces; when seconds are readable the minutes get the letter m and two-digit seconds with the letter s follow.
2h11
